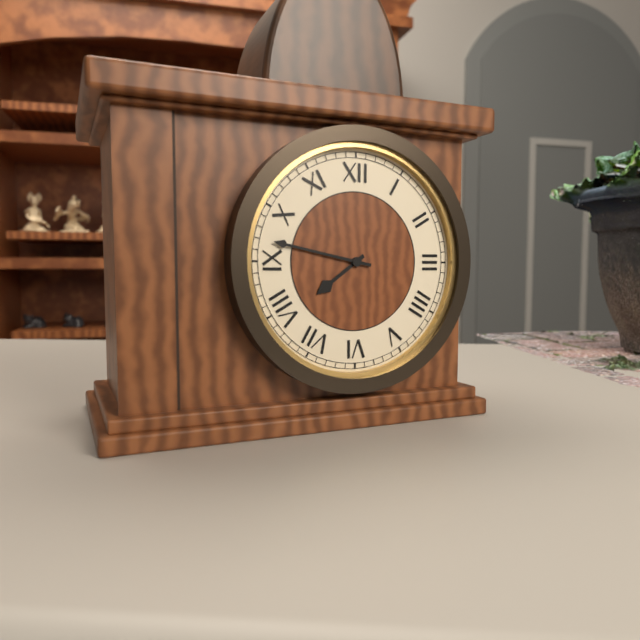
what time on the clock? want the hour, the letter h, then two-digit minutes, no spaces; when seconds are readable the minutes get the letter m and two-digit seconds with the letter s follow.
7h47
